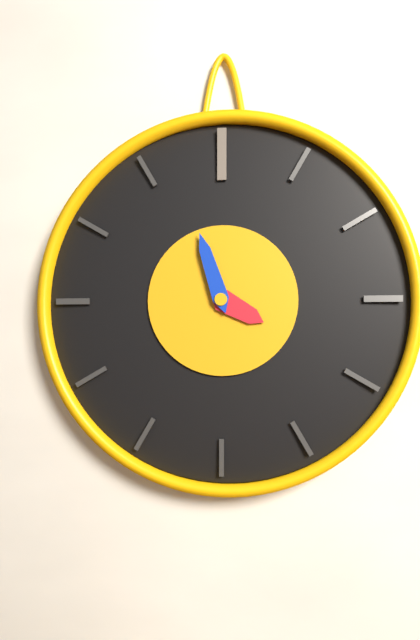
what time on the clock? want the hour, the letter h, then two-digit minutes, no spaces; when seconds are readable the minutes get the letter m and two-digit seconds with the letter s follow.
3h57
